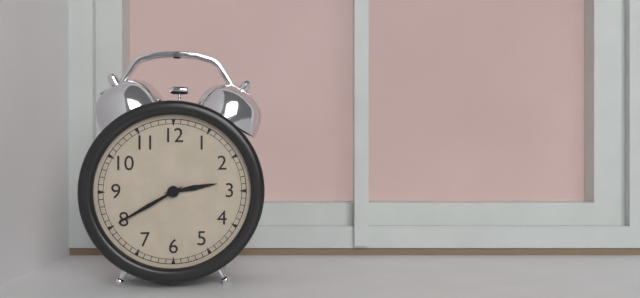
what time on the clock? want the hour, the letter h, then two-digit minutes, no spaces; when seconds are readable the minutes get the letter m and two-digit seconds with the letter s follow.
2h40
